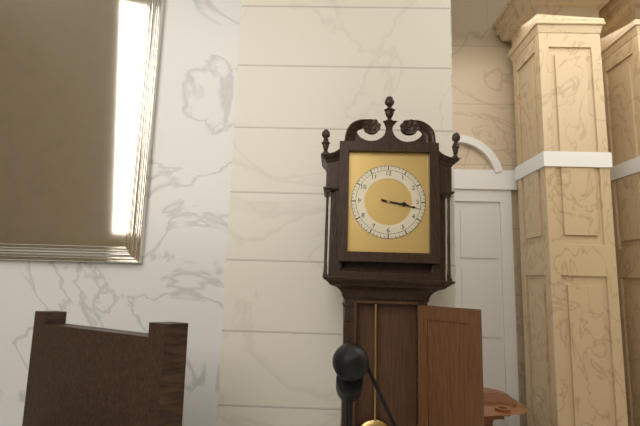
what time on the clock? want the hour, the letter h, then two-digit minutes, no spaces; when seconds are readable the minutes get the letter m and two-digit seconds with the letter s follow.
3h17
